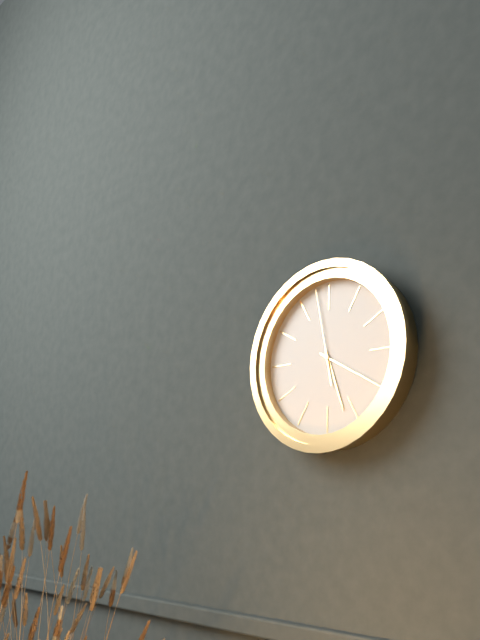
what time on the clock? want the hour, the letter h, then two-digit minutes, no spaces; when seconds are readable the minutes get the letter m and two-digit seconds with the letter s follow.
5h20m58s
